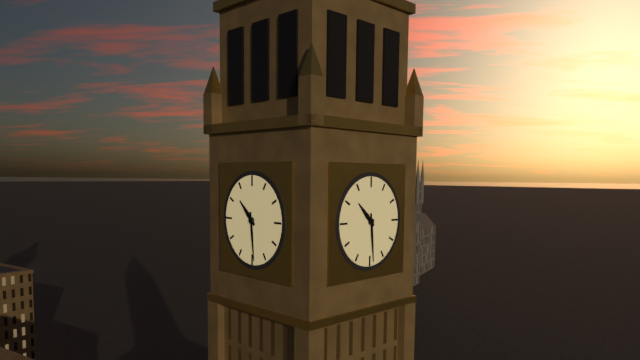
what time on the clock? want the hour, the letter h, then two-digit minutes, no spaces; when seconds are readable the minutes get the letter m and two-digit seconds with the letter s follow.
10h29
